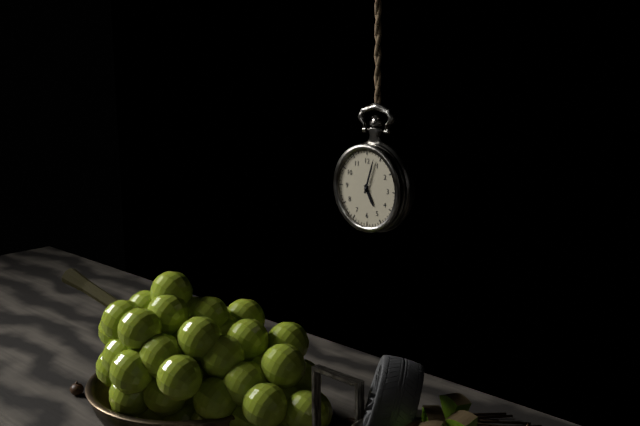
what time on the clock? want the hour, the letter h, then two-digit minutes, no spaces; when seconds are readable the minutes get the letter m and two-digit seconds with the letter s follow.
5h03
